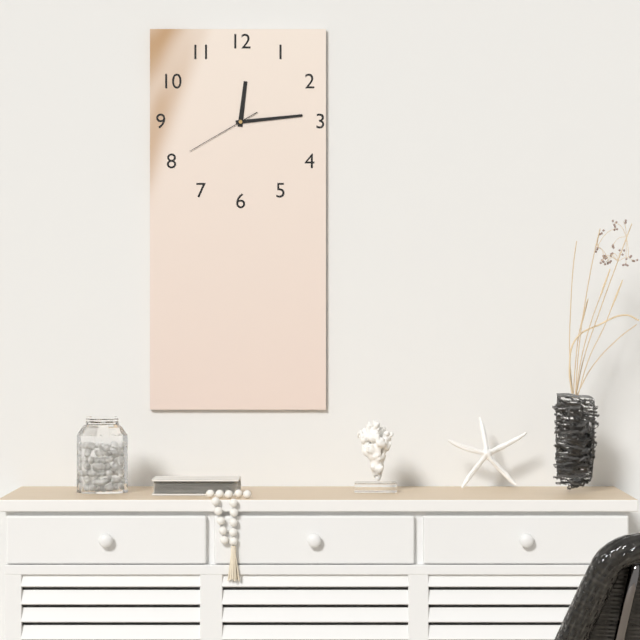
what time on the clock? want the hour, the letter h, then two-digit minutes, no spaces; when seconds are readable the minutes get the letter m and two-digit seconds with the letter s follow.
12h14m40s
